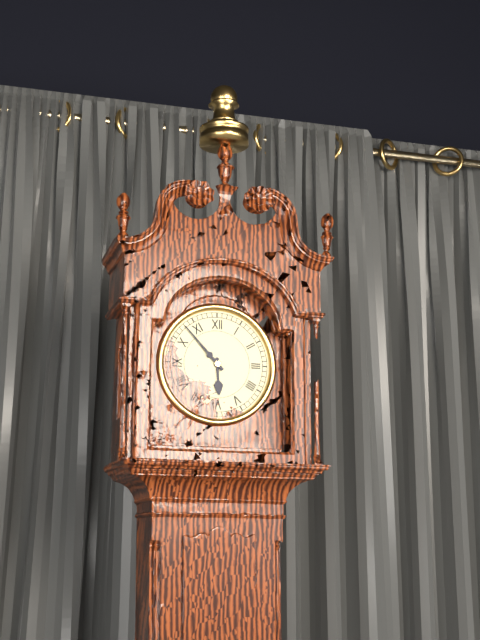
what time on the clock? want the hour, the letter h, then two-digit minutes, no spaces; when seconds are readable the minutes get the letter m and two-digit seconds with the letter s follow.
5h53
